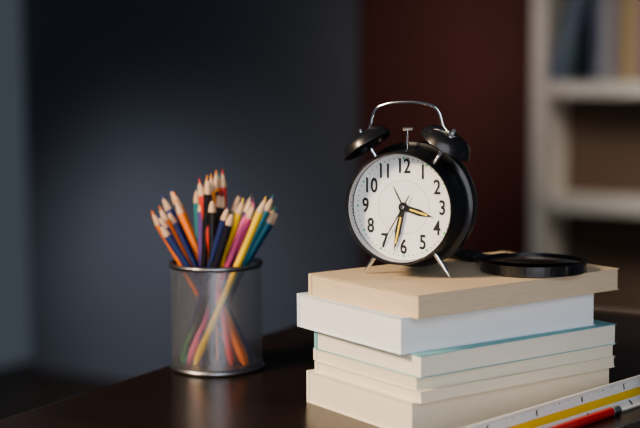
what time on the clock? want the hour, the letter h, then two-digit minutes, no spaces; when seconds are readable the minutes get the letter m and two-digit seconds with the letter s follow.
3h32m35s
